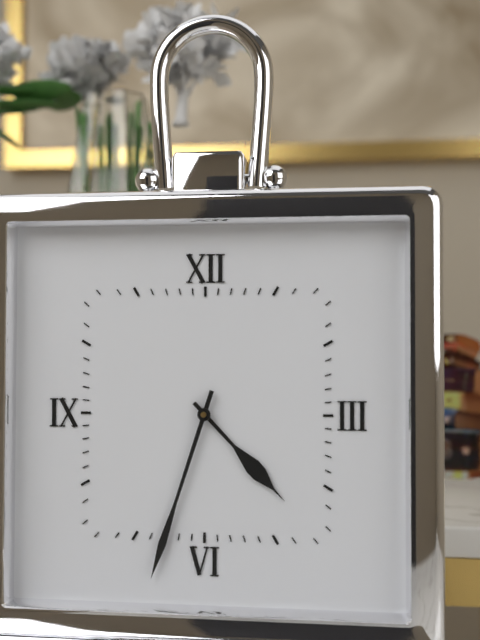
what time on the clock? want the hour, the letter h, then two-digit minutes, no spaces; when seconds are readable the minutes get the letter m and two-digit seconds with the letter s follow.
4h33
